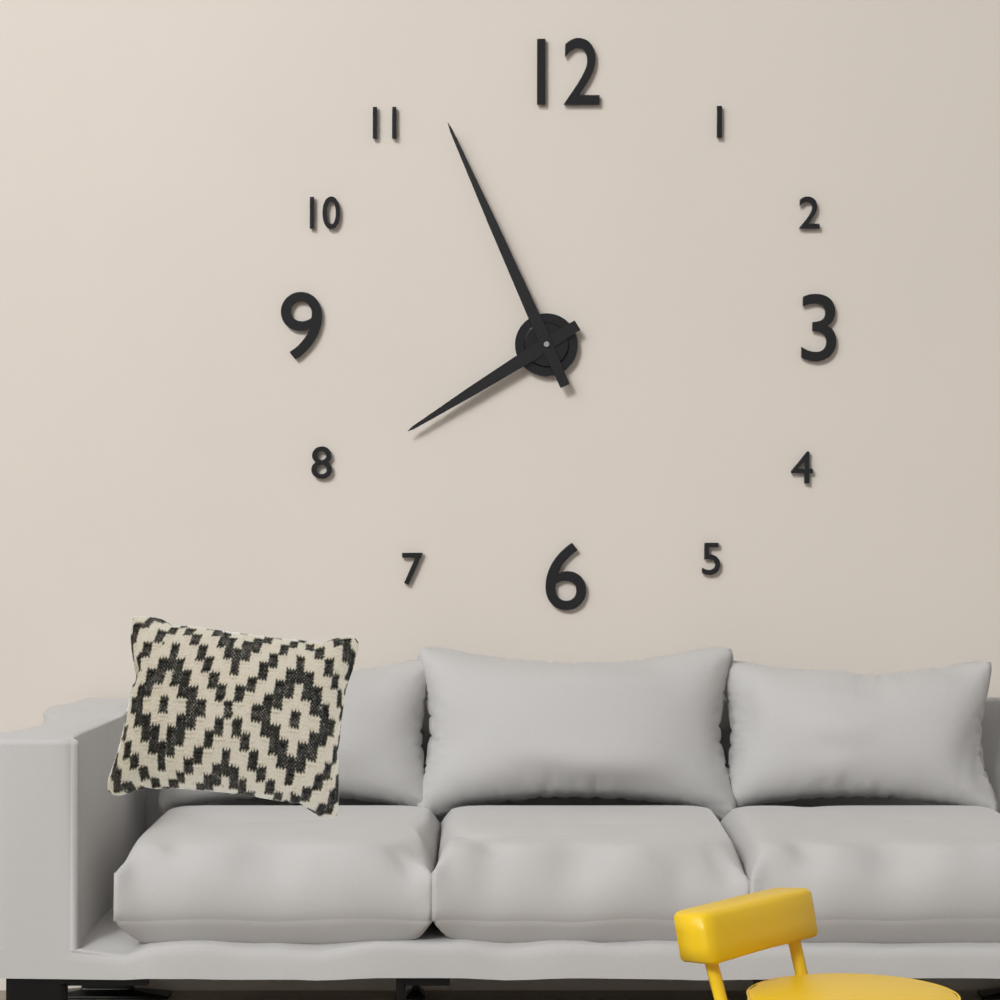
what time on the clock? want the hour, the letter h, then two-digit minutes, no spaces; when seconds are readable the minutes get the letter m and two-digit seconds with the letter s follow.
7h56
